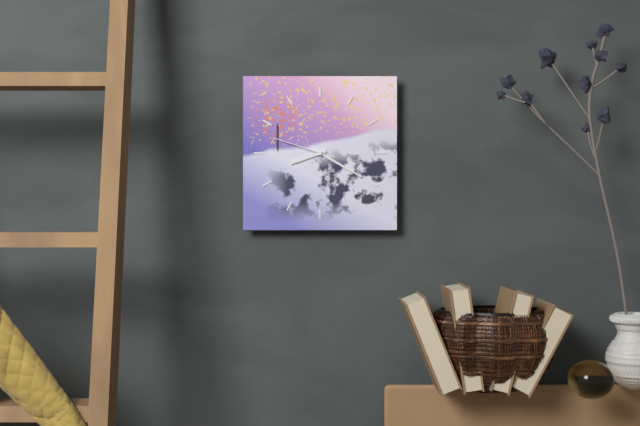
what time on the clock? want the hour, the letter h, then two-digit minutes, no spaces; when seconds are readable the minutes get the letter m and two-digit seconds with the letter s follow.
8h20m48s
